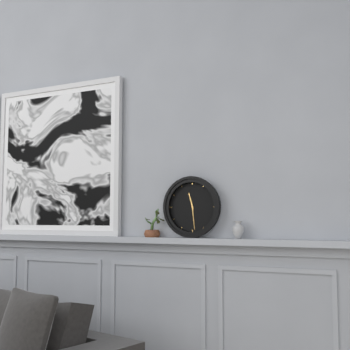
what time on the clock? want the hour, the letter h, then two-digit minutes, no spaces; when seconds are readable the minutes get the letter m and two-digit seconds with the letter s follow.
11h29
